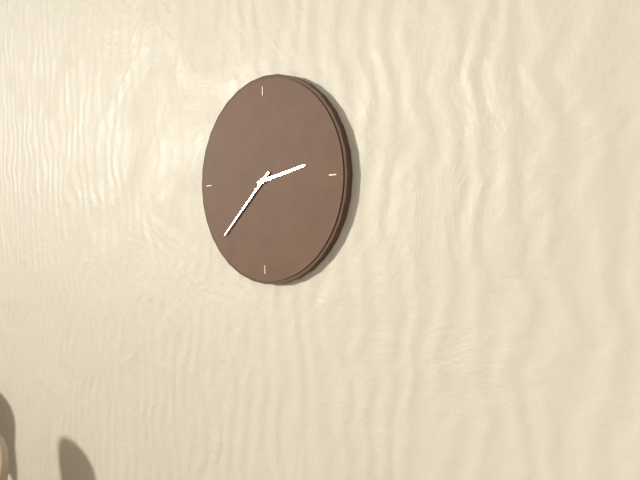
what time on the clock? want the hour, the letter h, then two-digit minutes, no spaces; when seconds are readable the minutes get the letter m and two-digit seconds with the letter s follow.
2h38
